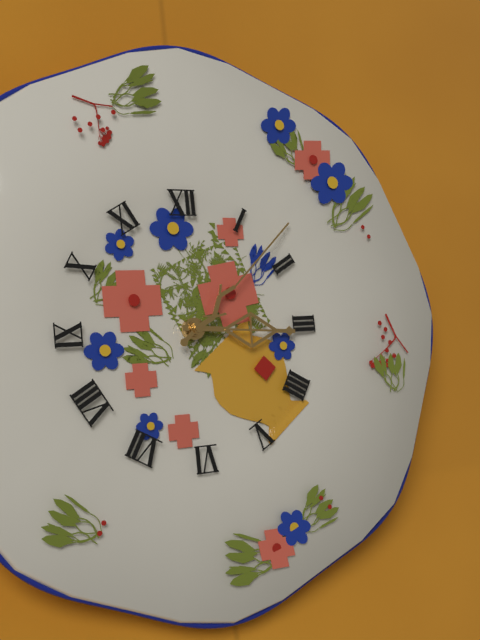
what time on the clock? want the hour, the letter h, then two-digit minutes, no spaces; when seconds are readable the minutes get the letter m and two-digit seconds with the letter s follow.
3h08
